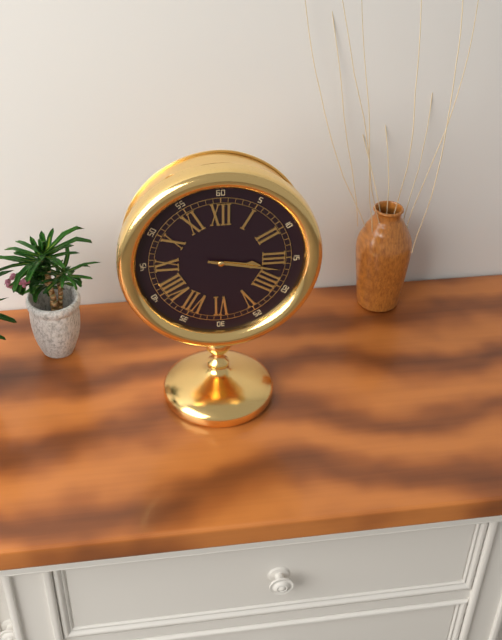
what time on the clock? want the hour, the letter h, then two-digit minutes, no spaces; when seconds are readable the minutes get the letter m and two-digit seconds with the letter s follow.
3h17
